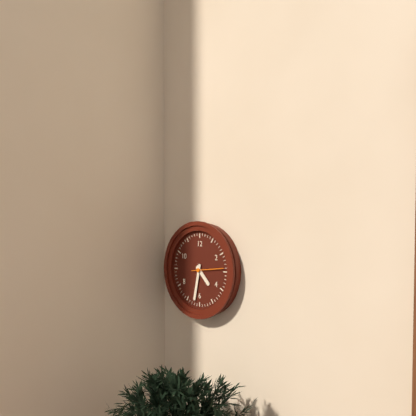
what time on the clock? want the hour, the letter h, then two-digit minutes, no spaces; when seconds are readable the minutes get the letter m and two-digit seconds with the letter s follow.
4h32
